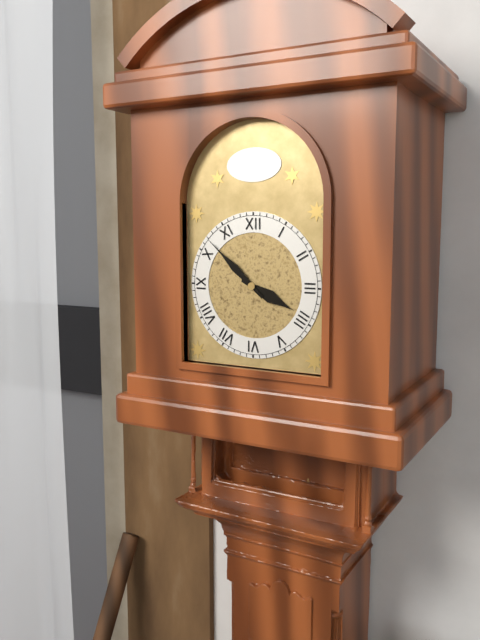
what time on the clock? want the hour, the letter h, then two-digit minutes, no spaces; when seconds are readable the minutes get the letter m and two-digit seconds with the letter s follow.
3h52
